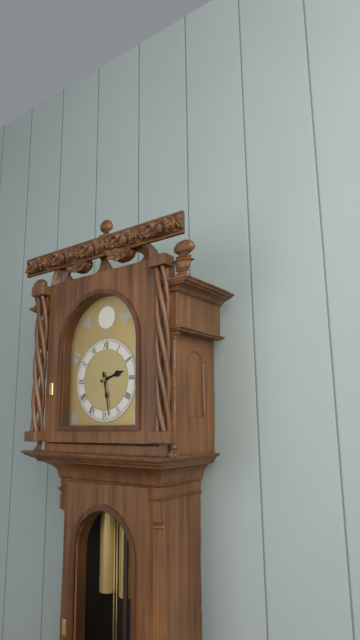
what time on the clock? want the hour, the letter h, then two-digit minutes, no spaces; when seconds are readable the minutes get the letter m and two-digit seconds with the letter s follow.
2h28
